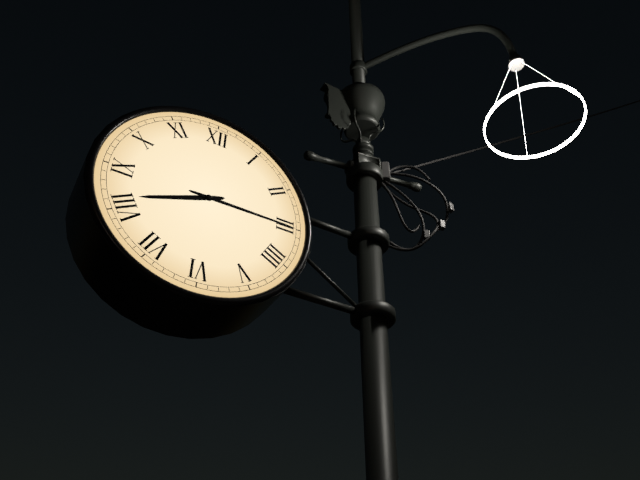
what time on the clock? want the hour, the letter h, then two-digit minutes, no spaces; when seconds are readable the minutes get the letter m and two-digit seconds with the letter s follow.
8h15
